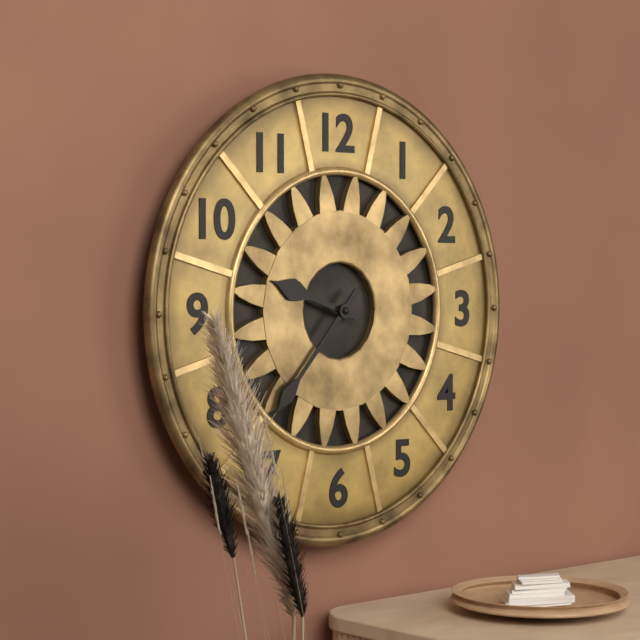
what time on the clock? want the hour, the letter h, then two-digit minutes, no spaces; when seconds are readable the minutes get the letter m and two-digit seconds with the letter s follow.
9h37
